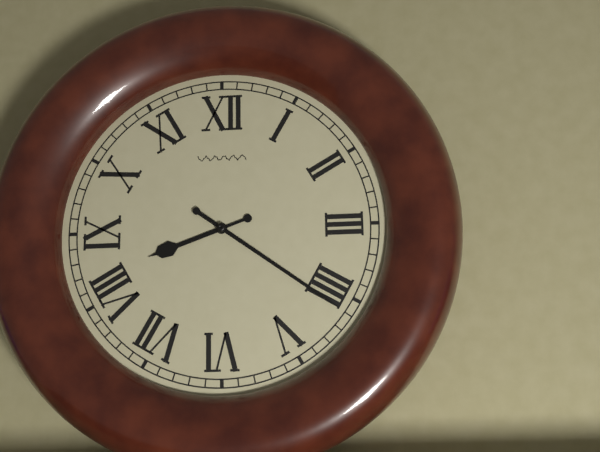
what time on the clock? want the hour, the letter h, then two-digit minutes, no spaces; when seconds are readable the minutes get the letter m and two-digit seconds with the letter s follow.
8h21
